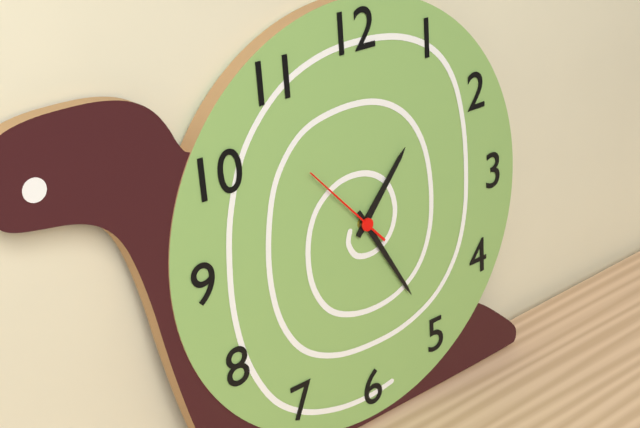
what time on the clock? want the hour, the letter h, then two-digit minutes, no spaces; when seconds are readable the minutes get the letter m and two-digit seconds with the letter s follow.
1h25m53s
